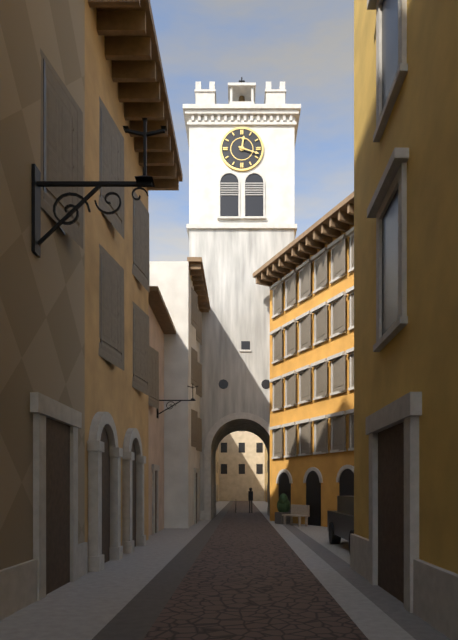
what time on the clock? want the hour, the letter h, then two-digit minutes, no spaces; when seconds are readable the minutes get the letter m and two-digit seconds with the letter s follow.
12h18
